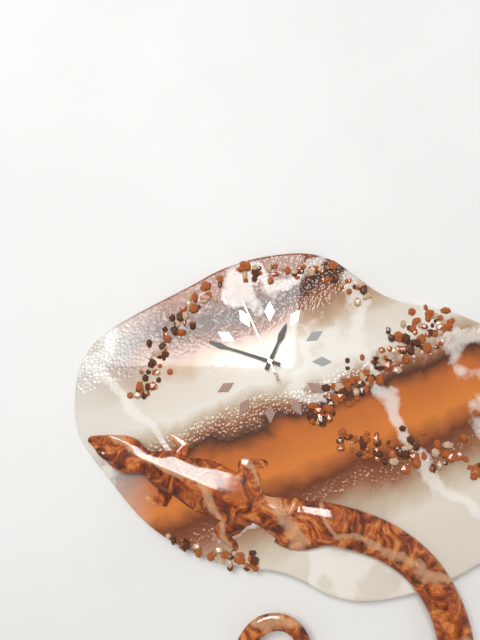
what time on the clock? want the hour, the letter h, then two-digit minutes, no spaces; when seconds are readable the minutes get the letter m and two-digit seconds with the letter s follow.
12h48m56s
